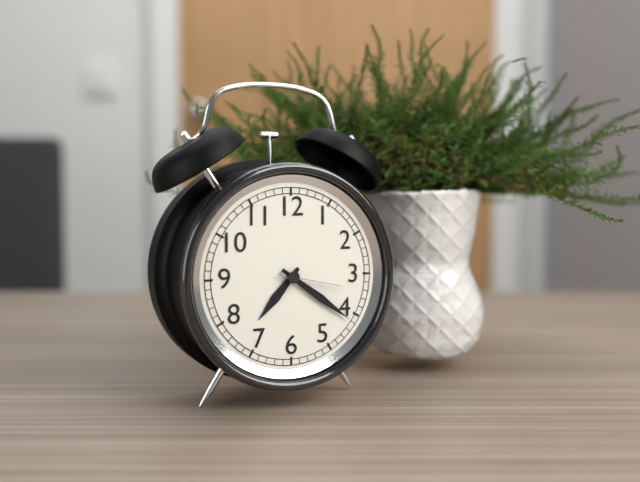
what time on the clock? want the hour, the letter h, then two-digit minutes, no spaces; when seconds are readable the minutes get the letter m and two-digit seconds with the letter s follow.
7h21m17s
